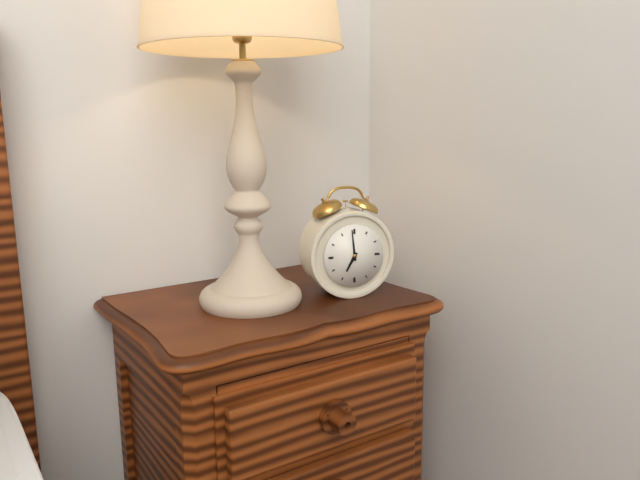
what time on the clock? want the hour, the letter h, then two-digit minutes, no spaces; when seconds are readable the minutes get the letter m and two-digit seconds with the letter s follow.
6h59
